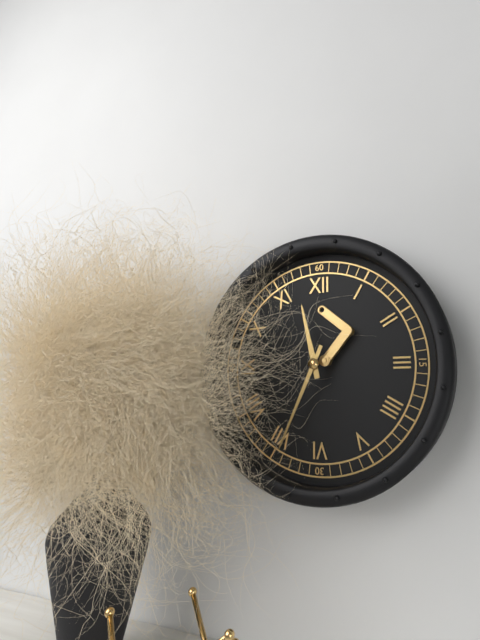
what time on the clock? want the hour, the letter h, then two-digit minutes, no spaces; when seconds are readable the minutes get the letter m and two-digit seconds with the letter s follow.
11h34
